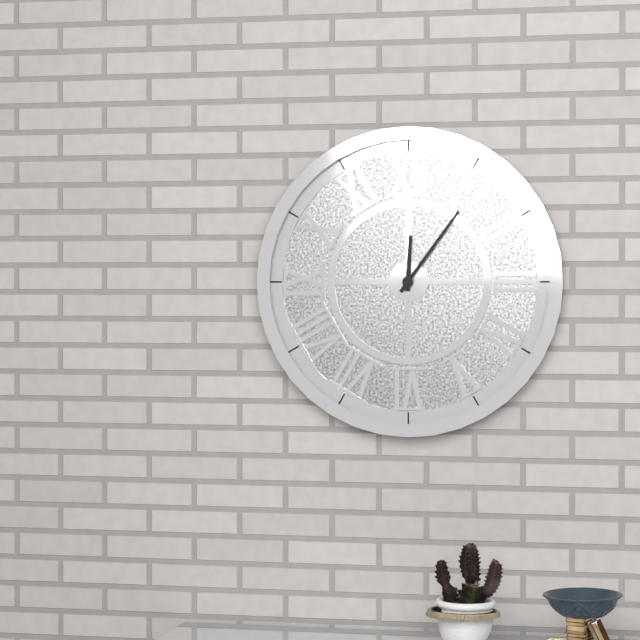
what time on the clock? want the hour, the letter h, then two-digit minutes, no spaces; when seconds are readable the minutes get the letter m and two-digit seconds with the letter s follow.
12h06
